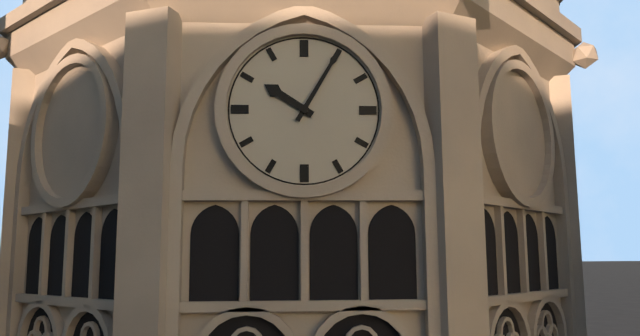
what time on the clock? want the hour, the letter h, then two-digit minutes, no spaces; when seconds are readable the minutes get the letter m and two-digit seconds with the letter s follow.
10h05
